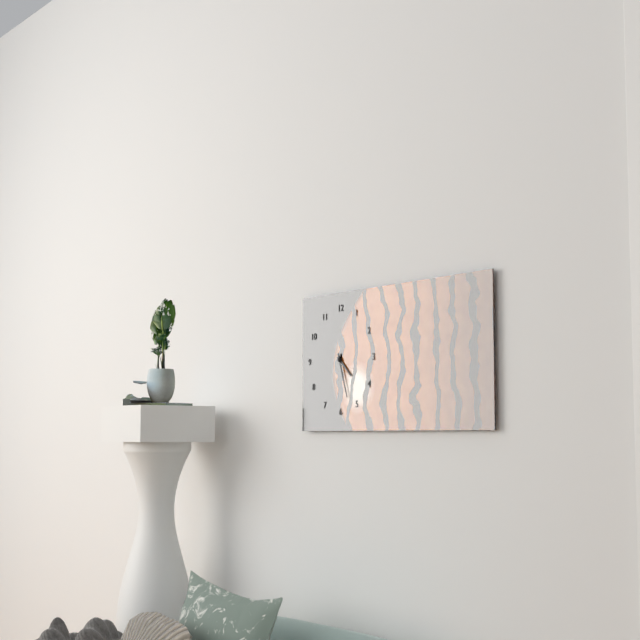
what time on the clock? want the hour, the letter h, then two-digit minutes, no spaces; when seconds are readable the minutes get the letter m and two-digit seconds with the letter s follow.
4h27
